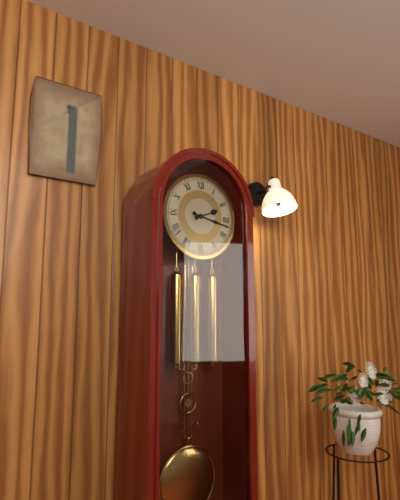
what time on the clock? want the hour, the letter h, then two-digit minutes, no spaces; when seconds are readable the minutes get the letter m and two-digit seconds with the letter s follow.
2h17
